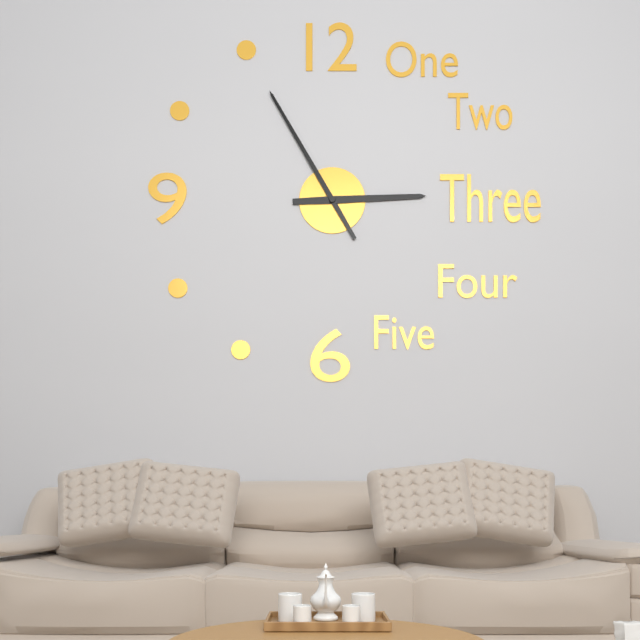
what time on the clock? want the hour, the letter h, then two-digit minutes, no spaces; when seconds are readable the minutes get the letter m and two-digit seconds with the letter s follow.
2h55
